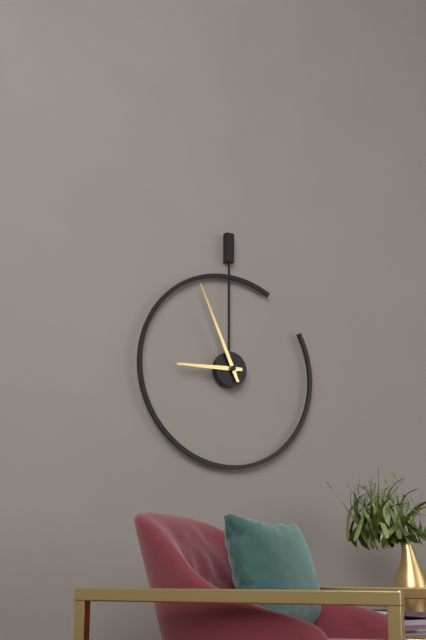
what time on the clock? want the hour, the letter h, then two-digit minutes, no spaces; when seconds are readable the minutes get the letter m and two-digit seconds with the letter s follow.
8h56
